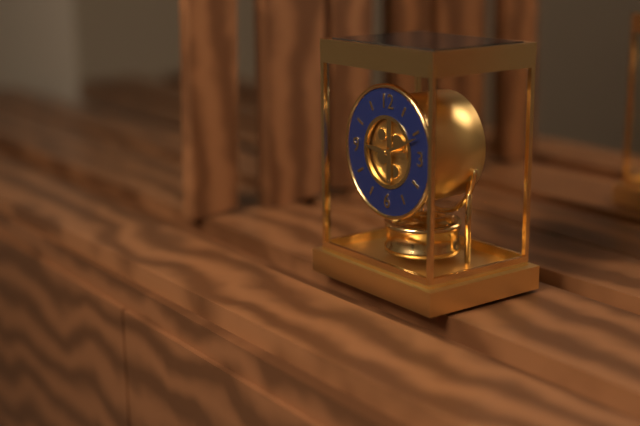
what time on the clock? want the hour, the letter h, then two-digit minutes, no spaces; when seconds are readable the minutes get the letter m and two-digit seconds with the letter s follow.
9h11
